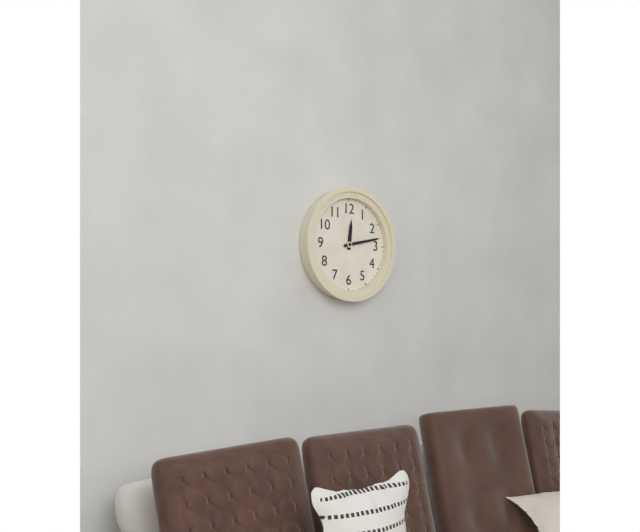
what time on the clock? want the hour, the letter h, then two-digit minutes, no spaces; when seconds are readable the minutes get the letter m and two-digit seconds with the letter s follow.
12h13
